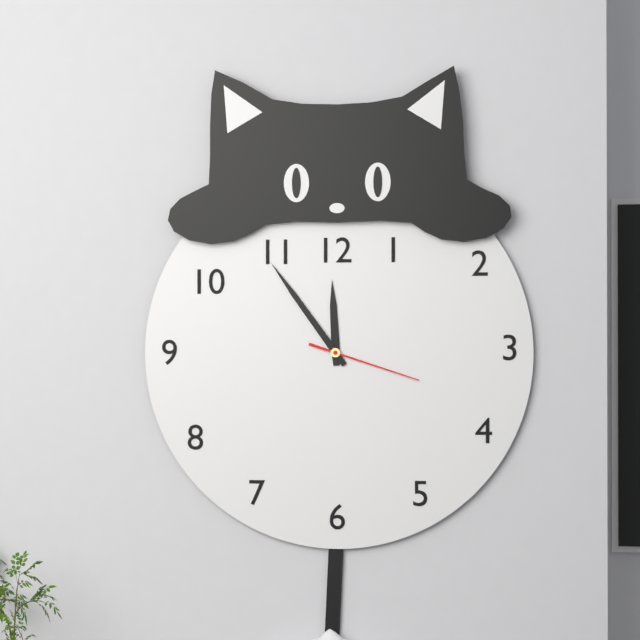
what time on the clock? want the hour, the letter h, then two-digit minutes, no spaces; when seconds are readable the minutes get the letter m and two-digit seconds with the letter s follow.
11h54m18s
